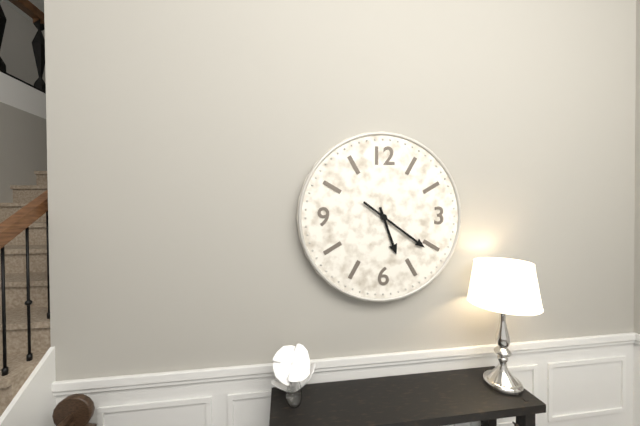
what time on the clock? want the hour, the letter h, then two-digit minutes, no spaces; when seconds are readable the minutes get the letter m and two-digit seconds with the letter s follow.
5h21
